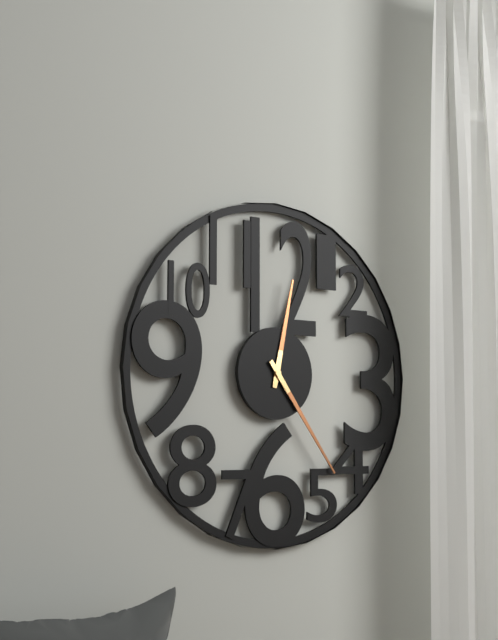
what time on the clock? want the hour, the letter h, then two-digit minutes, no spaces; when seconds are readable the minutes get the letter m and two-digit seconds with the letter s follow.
12h24
